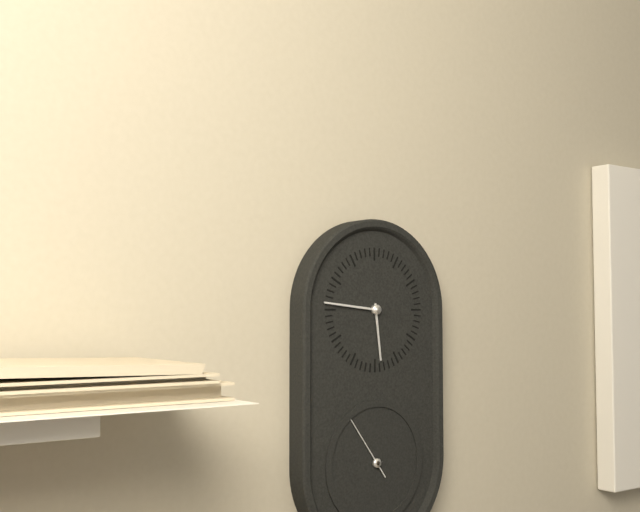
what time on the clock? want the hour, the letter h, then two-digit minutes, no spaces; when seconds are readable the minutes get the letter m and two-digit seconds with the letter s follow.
5h46m54s
